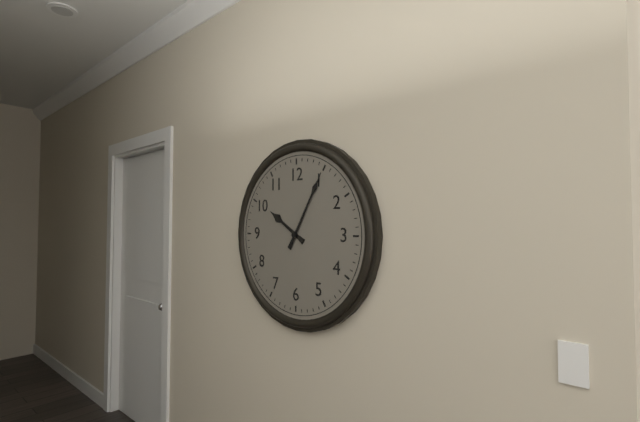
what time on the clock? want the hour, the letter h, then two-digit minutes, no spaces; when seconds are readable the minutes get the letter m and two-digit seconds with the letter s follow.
10h05
